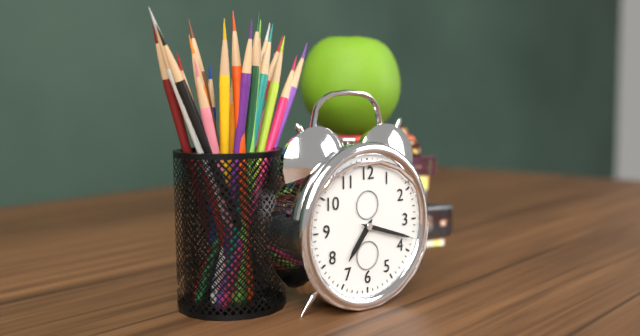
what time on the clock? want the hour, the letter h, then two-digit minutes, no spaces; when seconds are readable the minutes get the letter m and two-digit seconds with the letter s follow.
7h18
